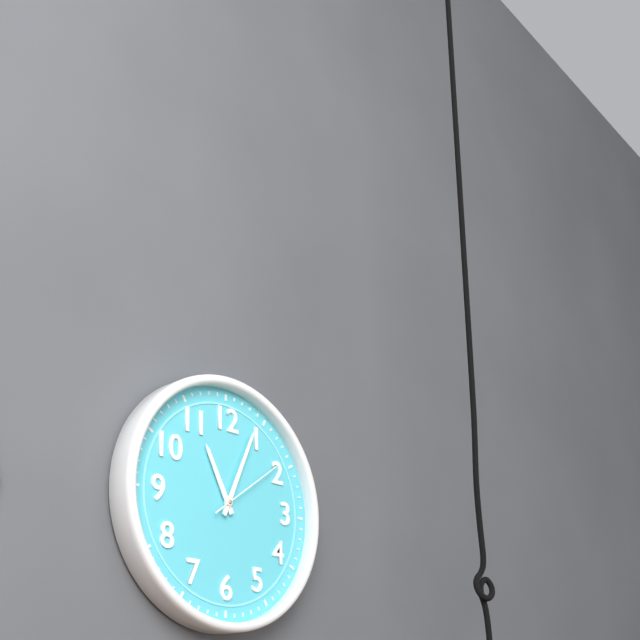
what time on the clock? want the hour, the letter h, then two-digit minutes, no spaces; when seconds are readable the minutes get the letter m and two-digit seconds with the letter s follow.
11h04m09s
